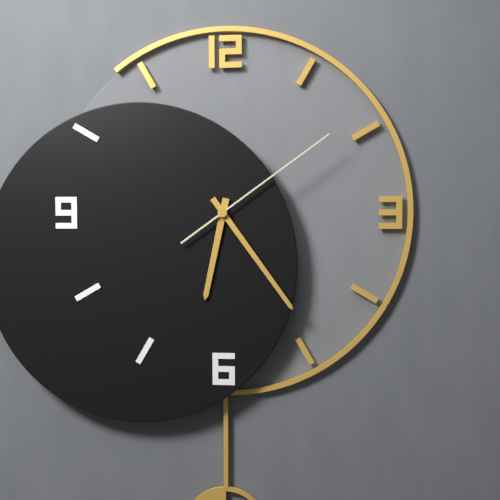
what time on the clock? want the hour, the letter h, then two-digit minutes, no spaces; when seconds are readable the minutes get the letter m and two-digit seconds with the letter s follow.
6h24m09s
